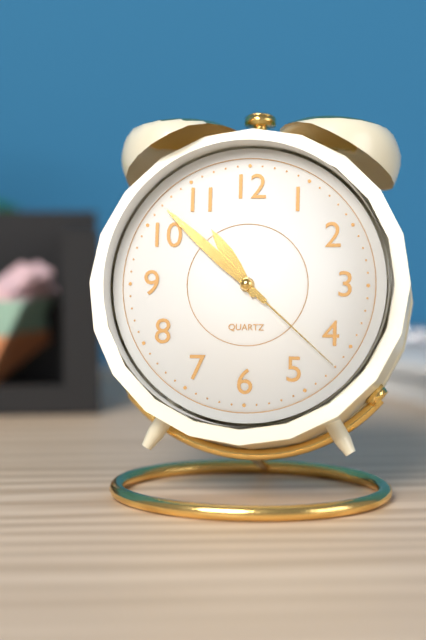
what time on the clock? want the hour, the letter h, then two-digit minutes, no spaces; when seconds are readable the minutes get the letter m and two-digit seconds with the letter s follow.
10h52m22s
